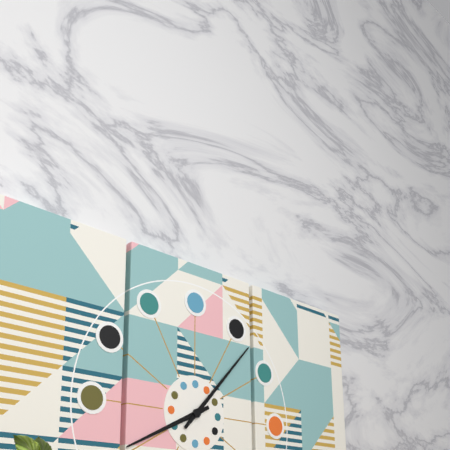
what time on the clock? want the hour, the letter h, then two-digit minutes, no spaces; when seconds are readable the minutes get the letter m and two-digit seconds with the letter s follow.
8h07
